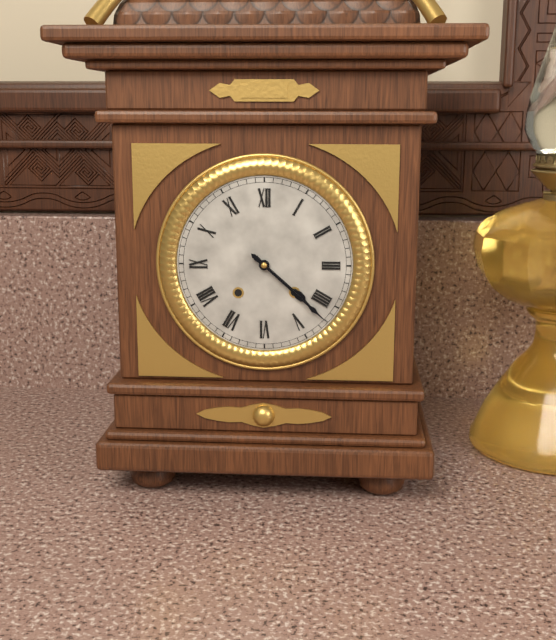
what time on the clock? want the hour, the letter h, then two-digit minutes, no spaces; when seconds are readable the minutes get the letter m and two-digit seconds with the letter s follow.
4h22
